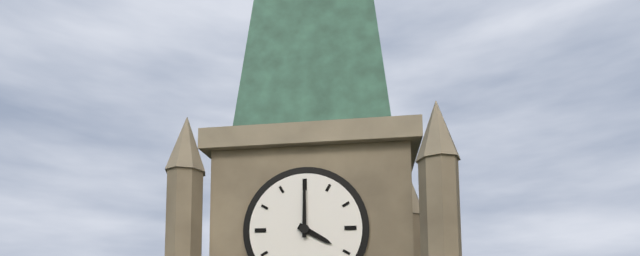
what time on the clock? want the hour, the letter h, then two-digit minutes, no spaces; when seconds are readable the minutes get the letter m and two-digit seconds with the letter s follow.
4h00
